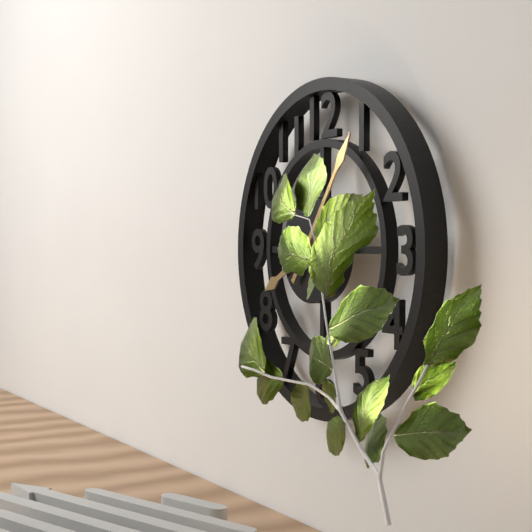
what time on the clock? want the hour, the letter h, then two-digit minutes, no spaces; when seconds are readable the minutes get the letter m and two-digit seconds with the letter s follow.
8h06
